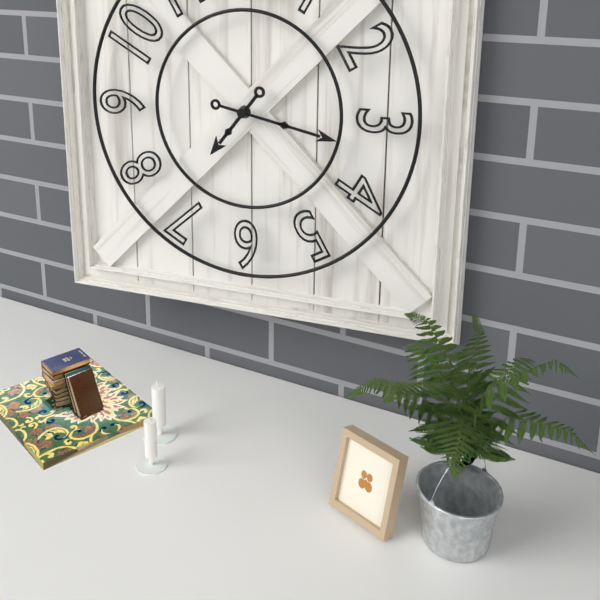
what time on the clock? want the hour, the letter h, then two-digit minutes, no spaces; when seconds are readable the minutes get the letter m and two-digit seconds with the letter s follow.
7h17
